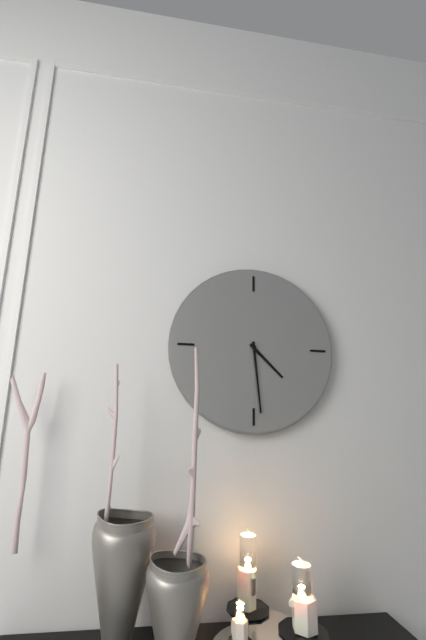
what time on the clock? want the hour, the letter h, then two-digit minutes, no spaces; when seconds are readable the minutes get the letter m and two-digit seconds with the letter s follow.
4h29
